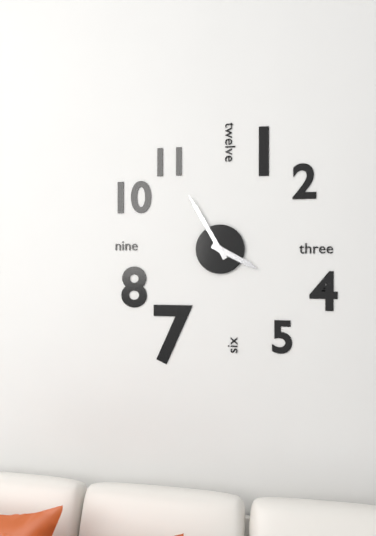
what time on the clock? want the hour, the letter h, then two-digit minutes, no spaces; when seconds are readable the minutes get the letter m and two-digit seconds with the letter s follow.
3h55
